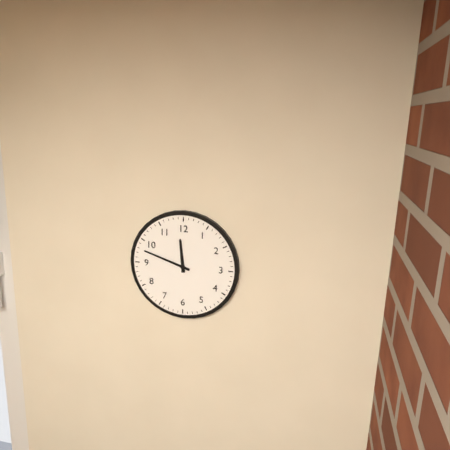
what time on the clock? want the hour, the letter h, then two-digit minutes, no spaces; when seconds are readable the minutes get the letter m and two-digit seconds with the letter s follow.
11h48
